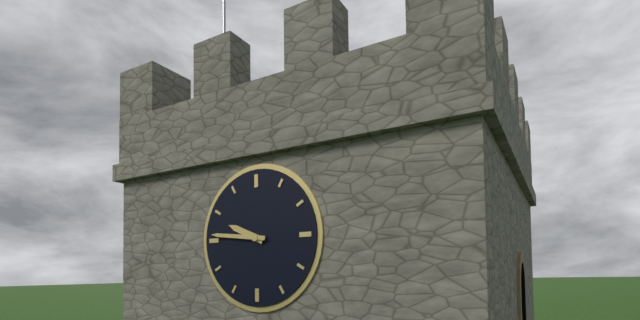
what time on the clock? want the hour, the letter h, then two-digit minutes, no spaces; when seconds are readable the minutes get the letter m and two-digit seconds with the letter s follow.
9h46
